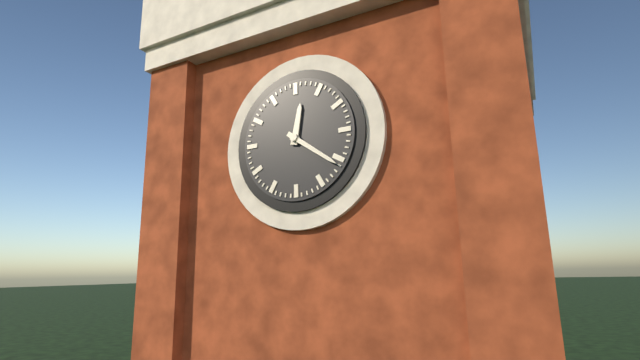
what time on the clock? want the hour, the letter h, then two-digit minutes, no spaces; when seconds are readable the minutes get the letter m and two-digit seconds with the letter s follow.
12h21
